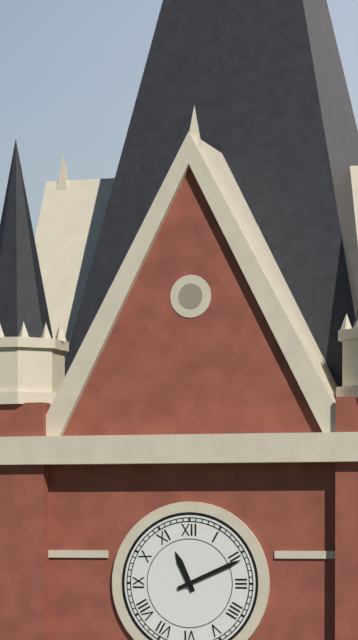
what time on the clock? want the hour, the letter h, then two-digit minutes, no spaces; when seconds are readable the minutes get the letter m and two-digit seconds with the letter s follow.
11h11
